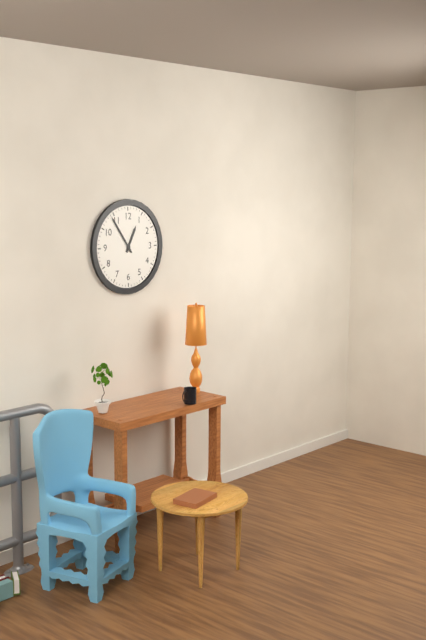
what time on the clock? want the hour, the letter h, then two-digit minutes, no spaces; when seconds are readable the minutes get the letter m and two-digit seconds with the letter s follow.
12h54
